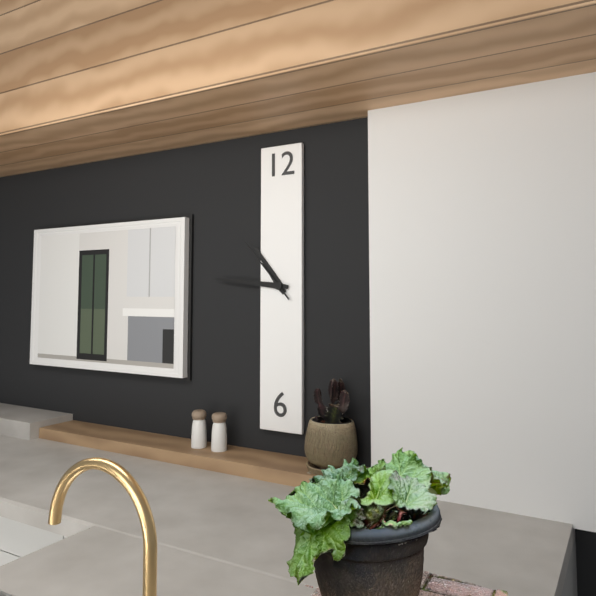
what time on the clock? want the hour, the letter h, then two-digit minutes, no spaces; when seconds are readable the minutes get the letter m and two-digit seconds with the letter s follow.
10h46m53s
